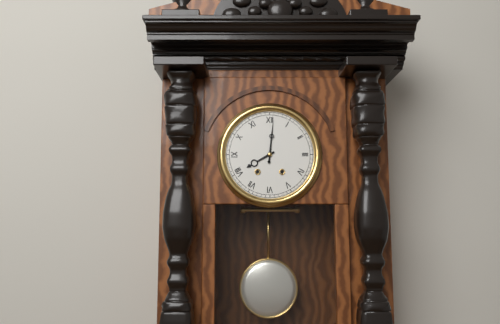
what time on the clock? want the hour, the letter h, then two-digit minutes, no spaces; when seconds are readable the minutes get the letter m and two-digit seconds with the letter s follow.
8h01
